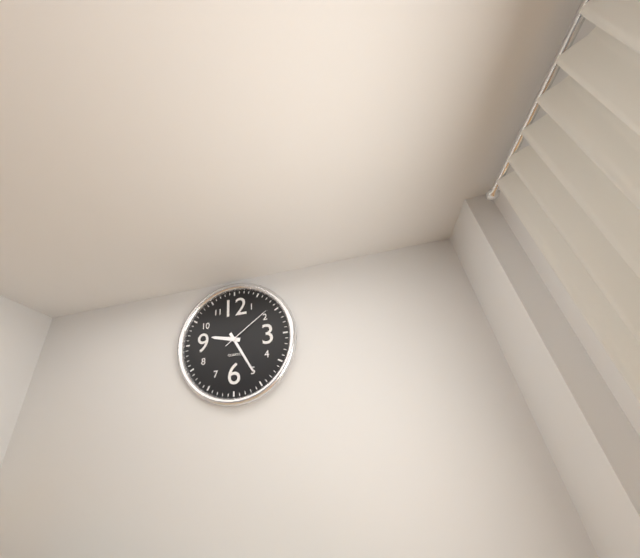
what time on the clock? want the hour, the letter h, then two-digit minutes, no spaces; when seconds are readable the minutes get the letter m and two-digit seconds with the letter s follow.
9h25m09s
